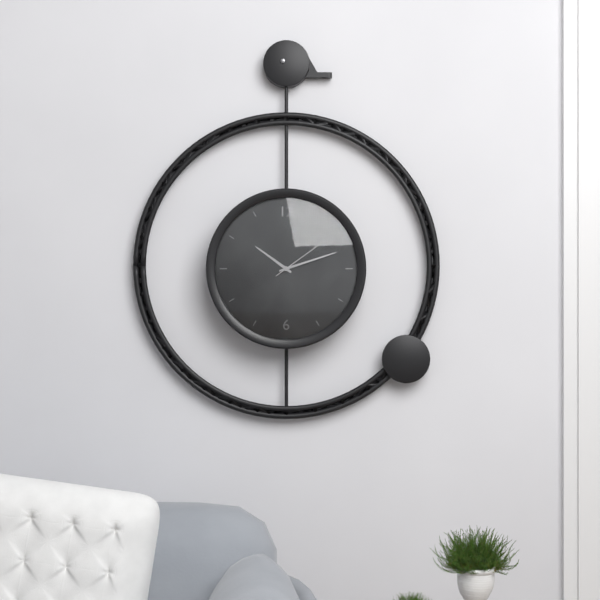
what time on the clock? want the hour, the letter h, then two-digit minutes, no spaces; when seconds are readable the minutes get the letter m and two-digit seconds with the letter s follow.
10h12m09s
